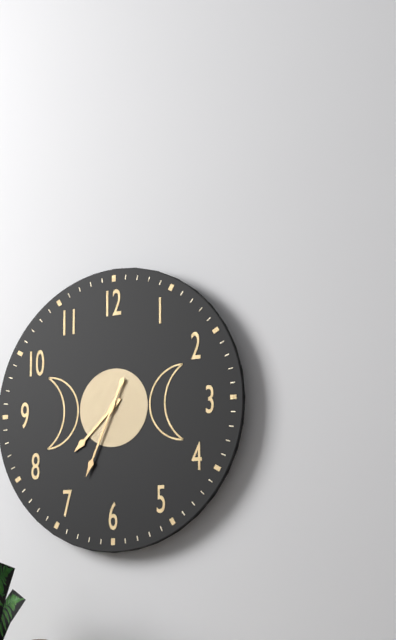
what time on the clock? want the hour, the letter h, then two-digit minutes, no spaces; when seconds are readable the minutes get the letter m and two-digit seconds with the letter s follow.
7h34
